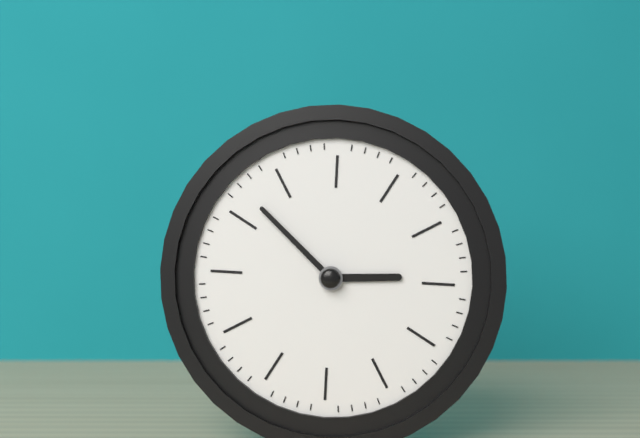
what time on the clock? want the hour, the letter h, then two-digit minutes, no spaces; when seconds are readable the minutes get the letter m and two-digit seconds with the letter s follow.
2h52
